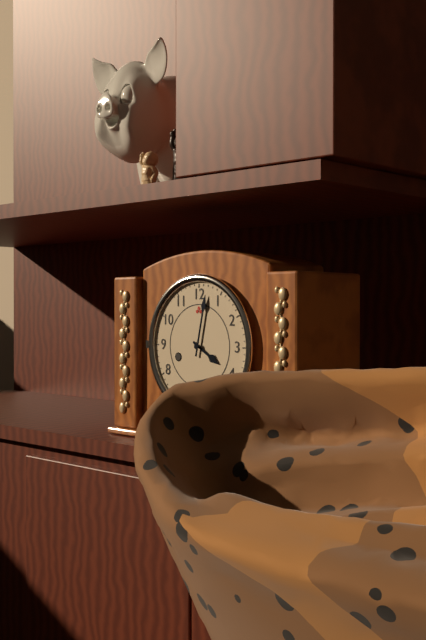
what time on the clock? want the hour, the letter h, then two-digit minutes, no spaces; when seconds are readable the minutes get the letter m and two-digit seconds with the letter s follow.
4h02
